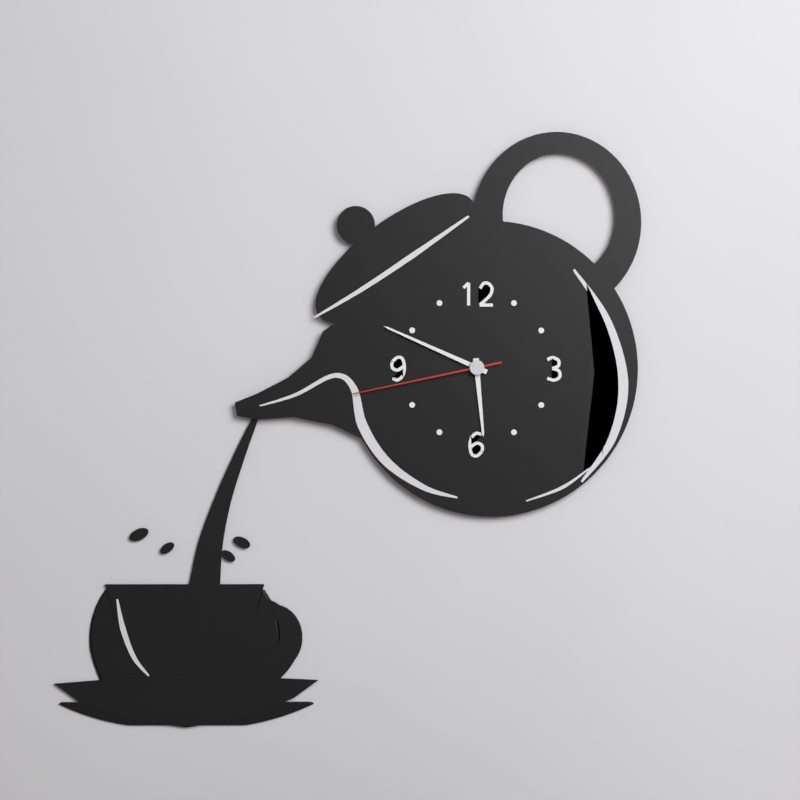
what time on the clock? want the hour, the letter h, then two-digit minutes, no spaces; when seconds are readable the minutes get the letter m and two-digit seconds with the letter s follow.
5h49m43s
